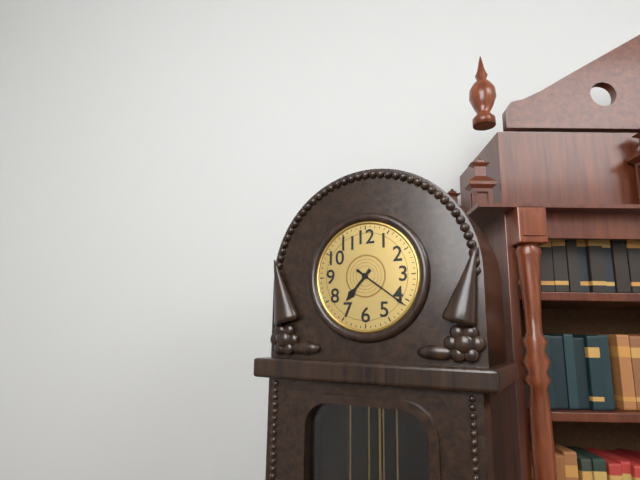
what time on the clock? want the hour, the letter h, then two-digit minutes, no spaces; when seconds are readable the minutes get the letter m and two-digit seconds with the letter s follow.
7h21
